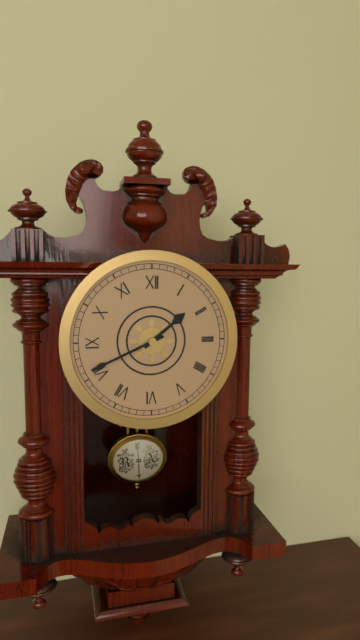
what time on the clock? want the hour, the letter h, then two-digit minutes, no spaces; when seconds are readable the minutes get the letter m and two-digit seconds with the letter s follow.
1h41
